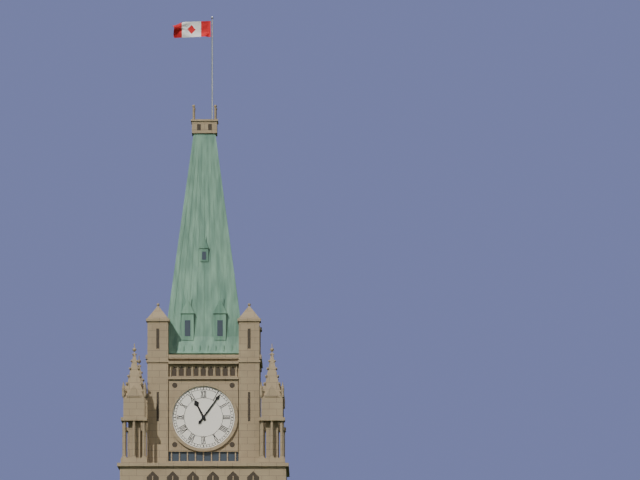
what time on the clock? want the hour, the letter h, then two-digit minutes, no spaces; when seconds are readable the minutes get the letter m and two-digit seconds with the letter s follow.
11h06
